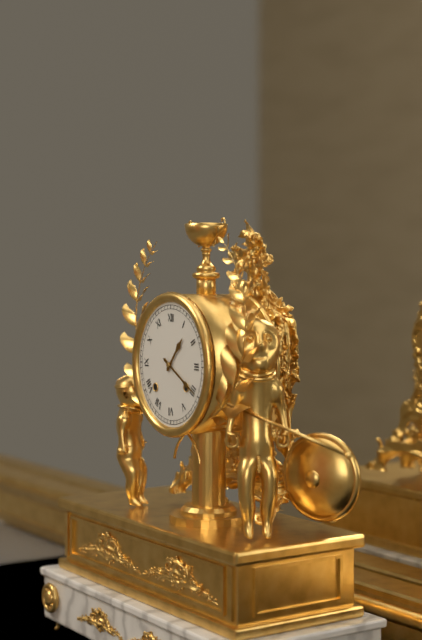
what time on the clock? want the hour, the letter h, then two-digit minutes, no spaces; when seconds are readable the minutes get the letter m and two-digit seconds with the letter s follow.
1h20
